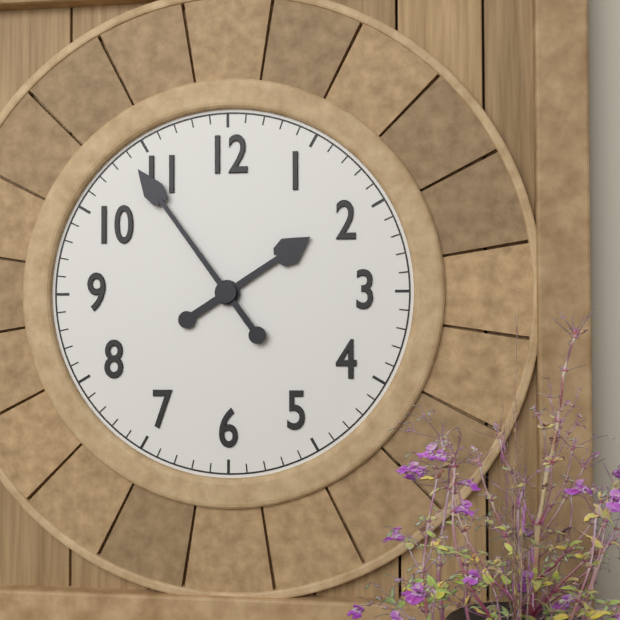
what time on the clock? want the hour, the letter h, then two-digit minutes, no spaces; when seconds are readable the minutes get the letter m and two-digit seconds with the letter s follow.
1h54
